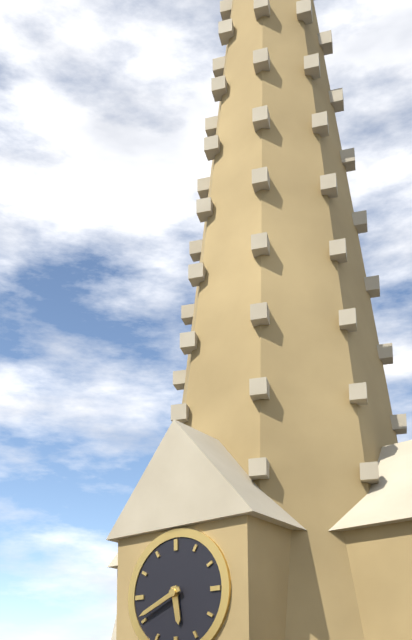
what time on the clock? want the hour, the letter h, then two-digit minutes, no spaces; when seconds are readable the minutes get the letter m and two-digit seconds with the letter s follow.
5h41
